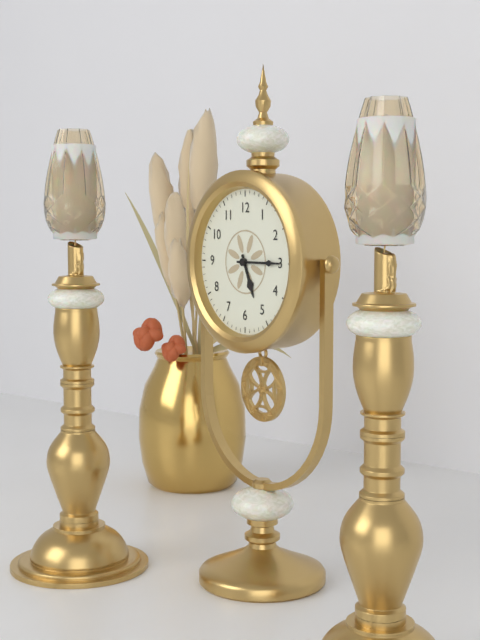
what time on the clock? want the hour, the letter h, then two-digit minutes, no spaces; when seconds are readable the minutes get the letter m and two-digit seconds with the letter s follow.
5h15
